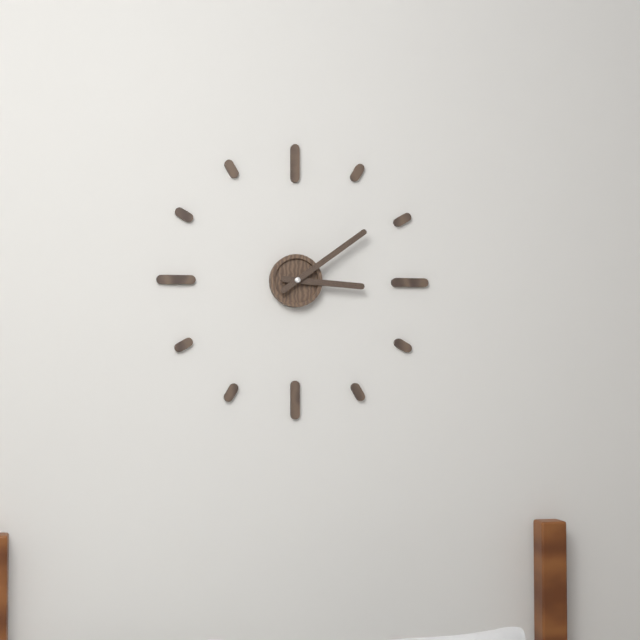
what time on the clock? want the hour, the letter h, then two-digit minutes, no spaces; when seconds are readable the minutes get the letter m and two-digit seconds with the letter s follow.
3h09
